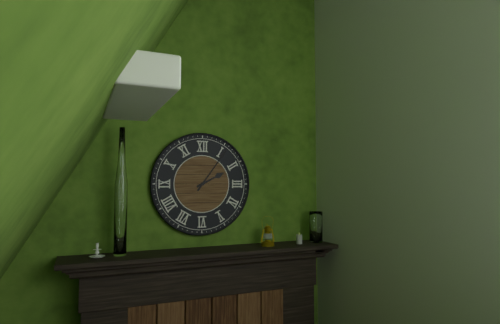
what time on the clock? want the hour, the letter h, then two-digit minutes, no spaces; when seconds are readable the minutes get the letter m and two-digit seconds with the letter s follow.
2h06
